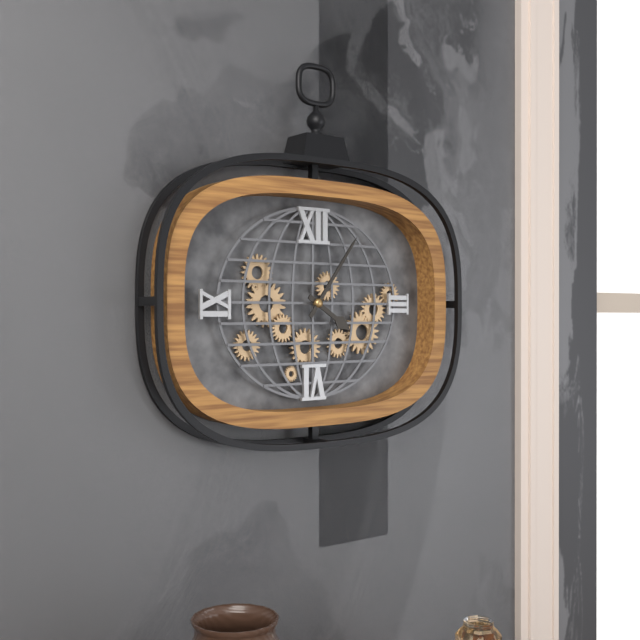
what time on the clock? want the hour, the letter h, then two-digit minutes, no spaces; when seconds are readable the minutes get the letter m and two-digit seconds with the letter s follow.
4h06
